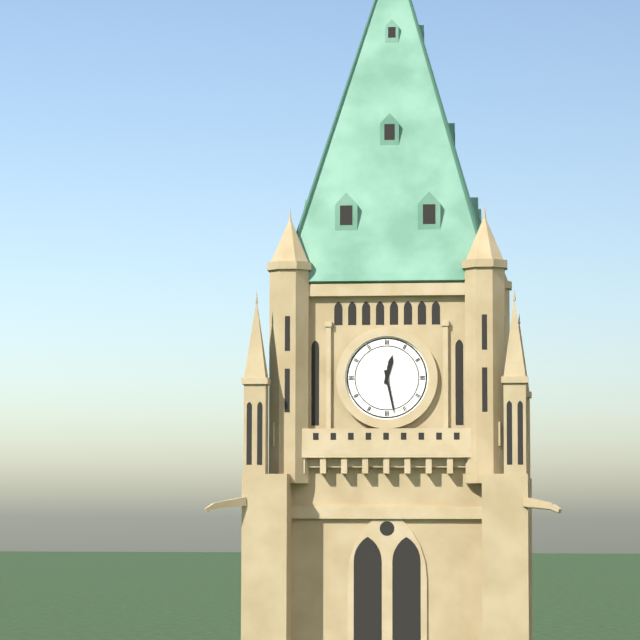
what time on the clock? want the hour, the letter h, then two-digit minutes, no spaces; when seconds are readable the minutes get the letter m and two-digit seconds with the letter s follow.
12h28
